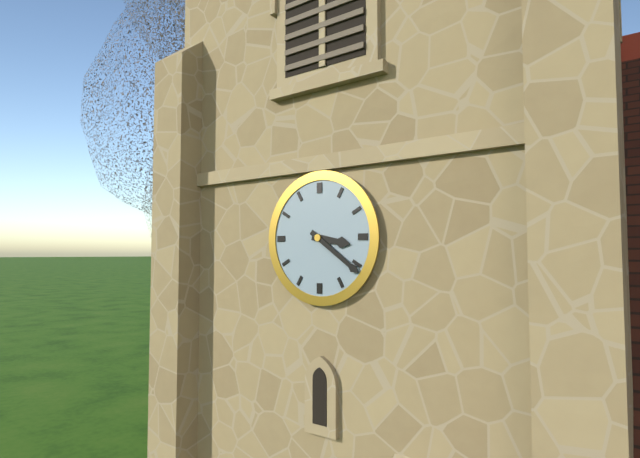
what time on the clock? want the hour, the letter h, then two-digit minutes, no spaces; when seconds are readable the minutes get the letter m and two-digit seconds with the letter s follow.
3h21
